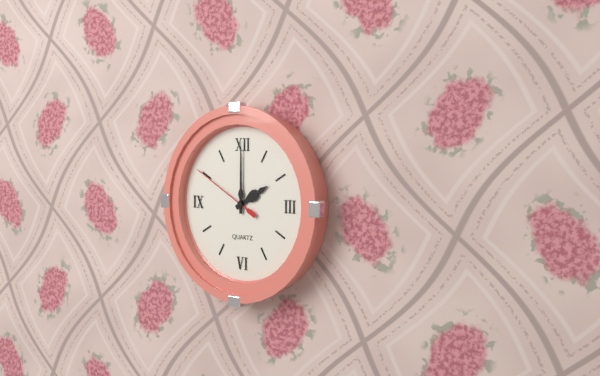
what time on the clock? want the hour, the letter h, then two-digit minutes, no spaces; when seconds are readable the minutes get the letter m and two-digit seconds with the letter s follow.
2h00m50s
